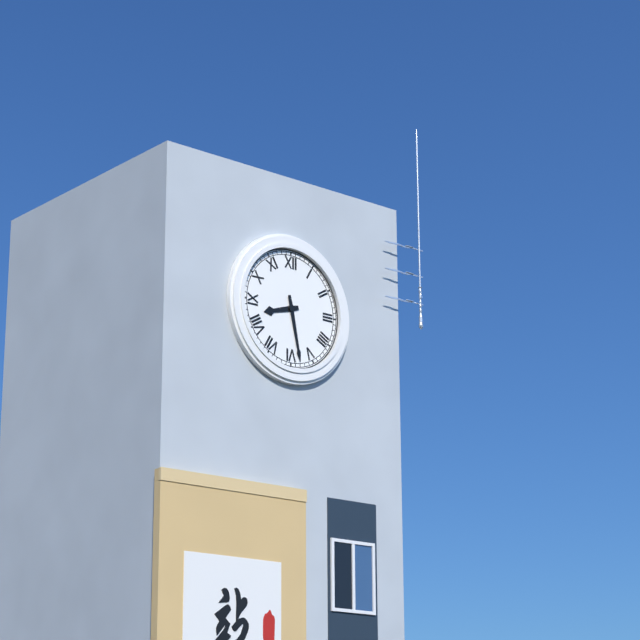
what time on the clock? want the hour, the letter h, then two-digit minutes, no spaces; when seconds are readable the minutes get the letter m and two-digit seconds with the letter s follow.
8h28
